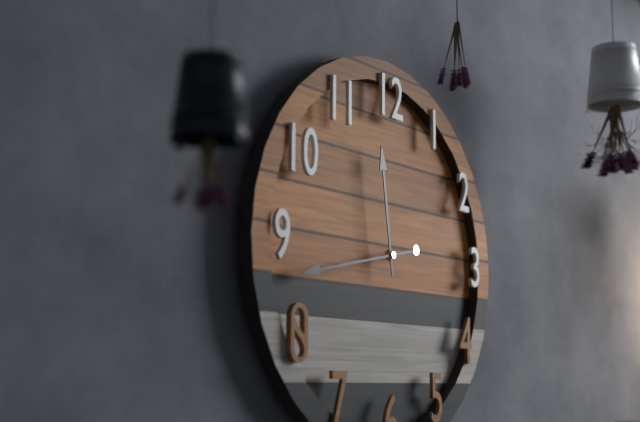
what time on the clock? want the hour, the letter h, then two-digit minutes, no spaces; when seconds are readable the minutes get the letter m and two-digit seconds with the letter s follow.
11h43
